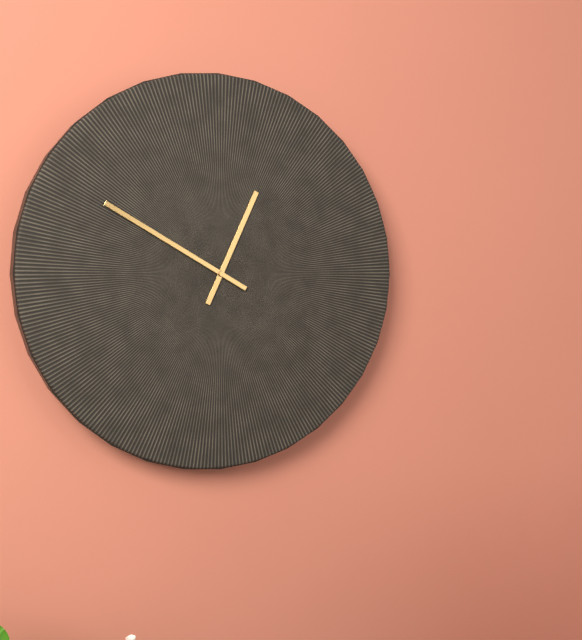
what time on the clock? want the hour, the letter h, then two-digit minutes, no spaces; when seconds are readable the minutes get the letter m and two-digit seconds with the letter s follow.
12h50
